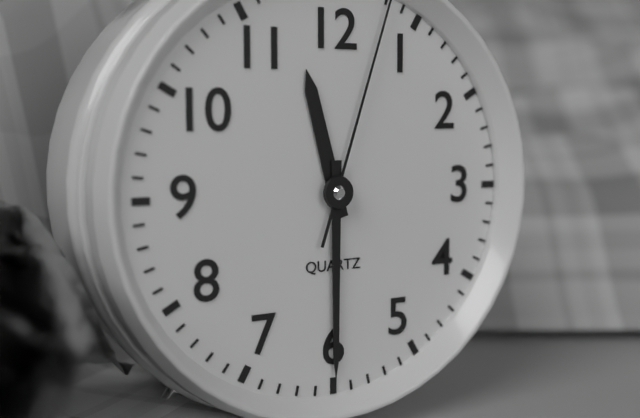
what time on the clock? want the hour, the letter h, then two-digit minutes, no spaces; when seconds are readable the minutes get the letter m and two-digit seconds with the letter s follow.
11h30
